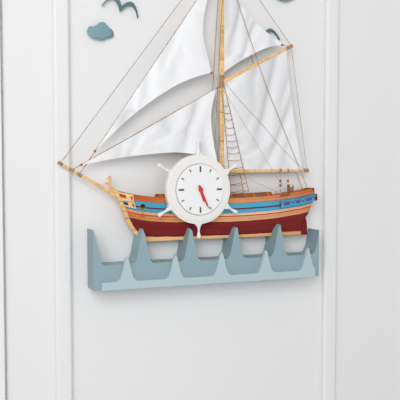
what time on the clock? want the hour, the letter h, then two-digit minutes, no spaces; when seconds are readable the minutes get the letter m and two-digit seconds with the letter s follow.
5h26
